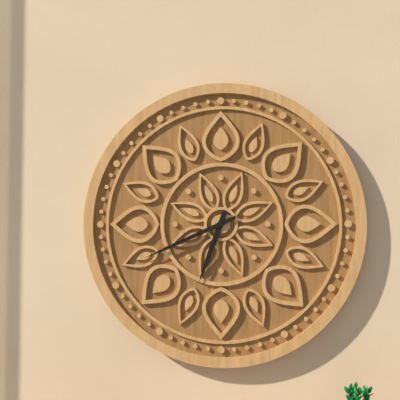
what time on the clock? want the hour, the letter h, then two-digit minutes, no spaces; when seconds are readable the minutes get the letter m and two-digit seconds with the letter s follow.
6h41
